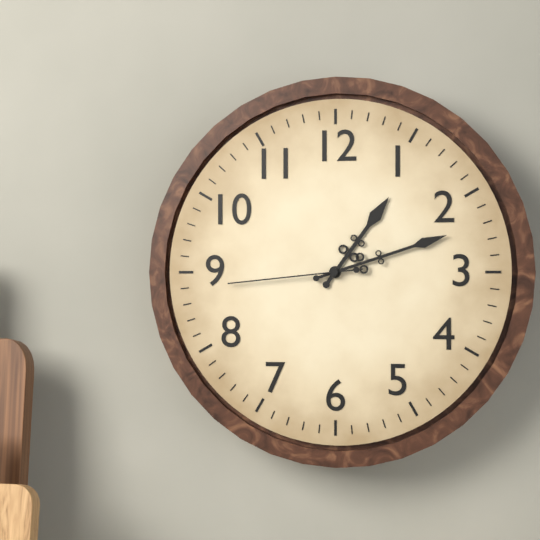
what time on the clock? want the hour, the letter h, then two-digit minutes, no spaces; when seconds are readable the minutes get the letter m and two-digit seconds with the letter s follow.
1h12m44s
